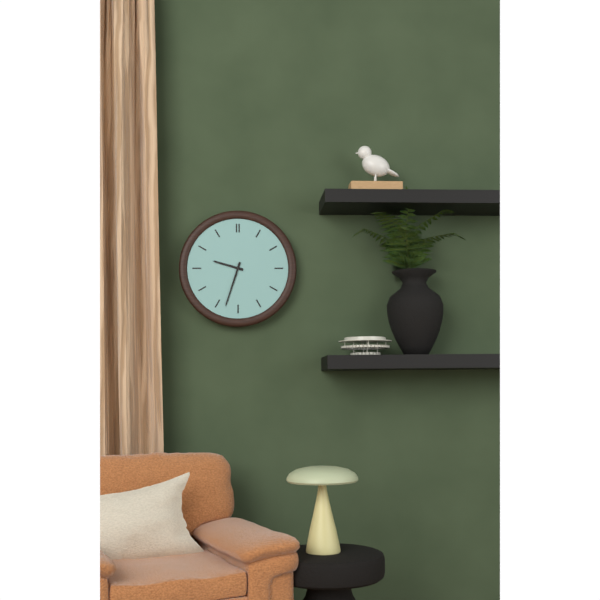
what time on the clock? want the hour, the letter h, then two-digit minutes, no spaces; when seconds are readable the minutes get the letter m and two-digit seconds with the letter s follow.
9h33
